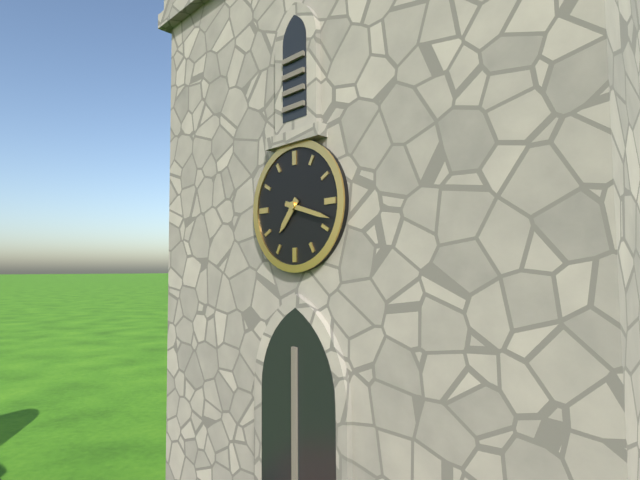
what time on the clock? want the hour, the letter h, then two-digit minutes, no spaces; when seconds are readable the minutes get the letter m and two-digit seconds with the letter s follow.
7h18
